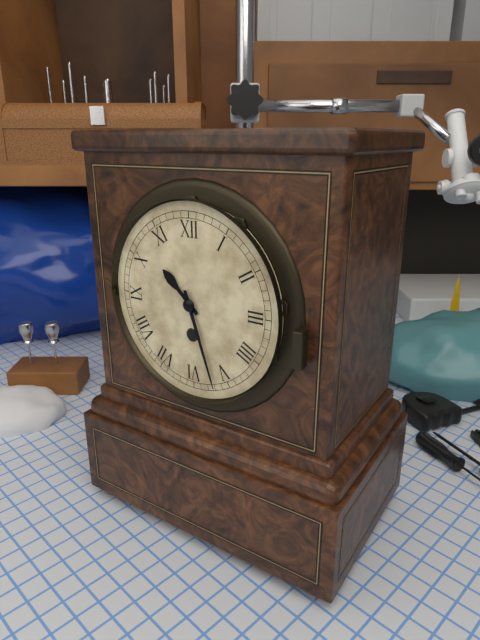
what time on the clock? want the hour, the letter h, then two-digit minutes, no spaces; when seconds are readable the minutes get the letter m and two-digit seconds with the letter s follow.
10h27
